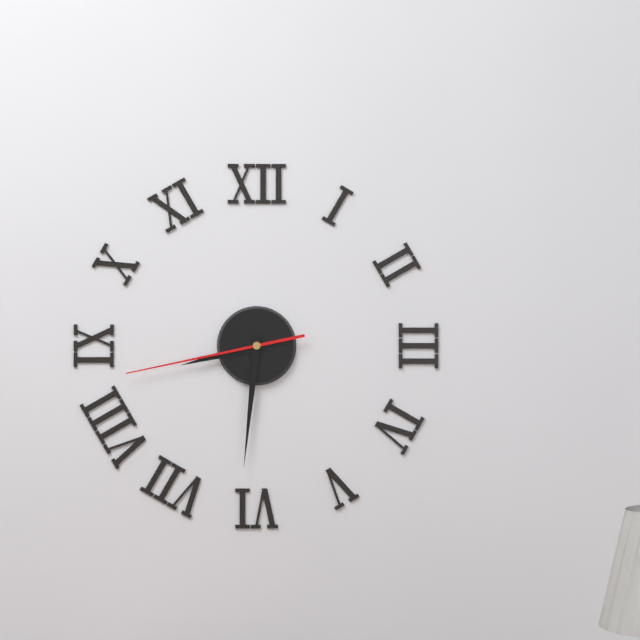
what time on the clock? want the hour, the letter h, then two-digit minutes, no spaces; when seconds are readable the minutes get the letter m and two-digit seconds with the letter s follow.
8h31m43s
